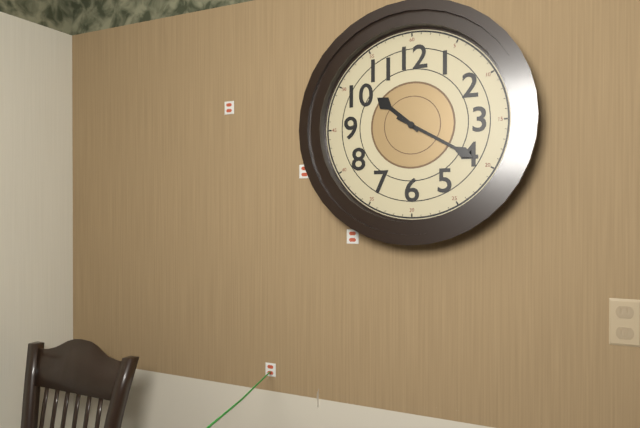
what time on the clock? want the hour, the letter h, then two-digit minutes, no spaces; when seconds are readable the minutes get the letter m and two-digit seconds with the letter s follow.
10h20
